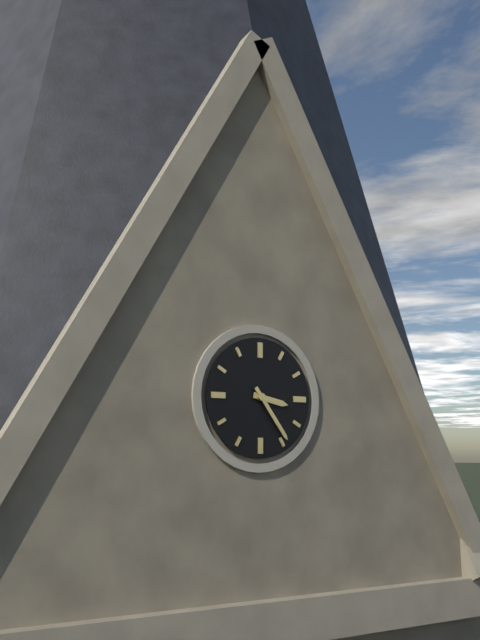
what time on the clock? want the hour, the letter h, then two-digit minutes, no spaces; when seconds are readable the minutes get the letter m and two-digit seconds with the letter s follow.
3h24
